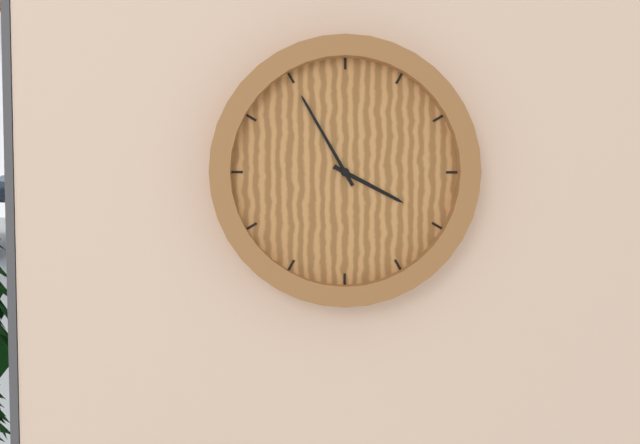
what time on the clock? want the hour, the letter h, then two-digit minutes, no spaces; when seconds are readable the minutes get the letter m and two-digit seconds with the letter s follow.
3h55
